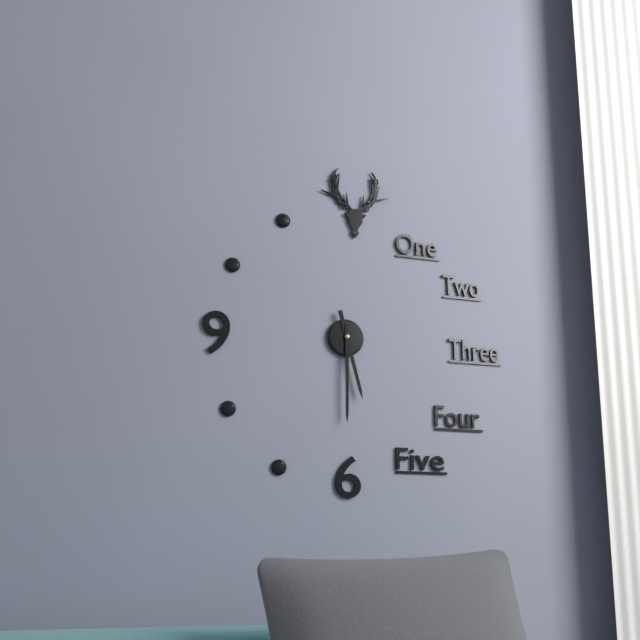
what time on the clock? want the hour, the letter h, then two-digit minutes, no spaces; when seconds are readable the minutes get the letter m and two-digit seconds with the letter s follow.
5h30
